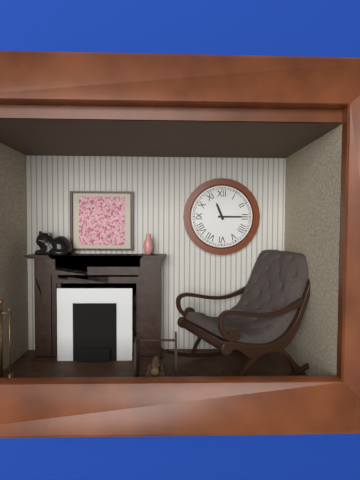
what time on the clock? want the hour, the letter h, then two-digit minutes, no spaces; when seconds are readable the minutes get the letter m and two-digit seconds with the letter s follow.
11h15
